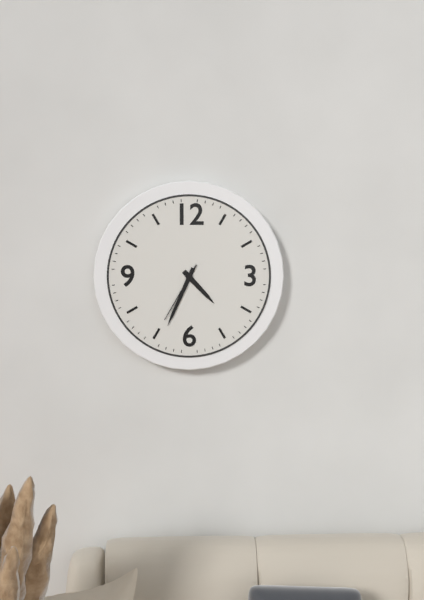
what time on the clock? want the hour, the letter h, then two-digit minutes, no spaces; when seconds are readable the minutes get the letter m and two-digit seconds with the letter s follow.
4h34m35s
